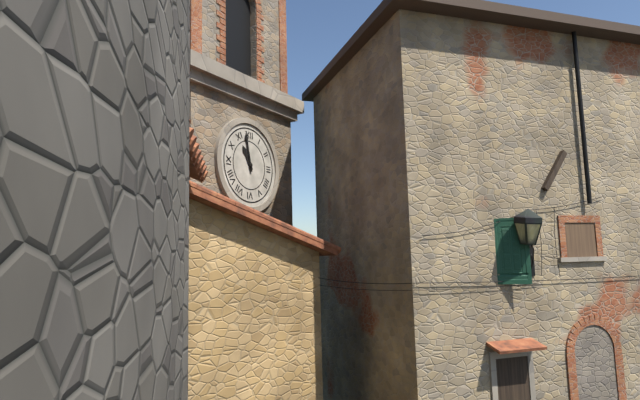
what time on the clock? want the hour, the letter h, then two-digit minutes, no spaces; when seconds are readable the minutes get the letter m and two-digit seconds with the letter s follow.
10h58
